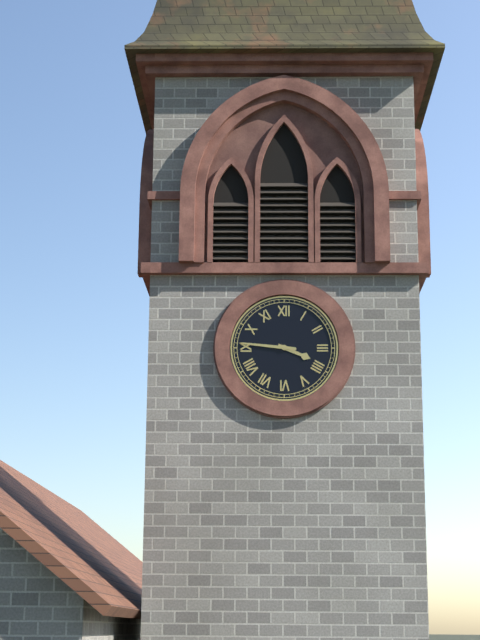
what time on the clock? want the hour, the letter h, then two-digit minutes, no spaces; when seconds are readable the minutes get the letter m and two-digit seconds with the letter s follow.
3h46
